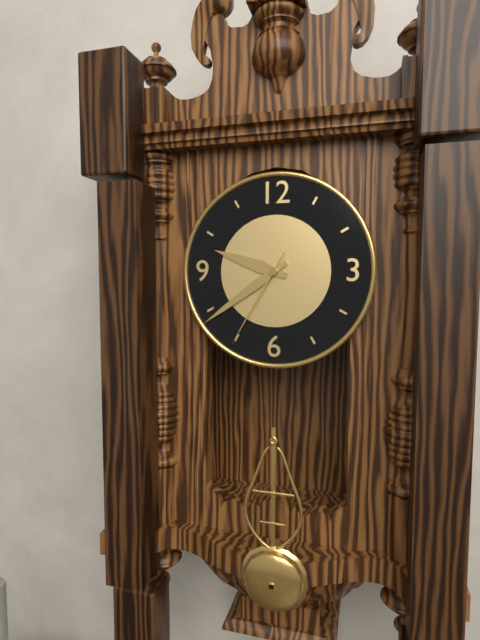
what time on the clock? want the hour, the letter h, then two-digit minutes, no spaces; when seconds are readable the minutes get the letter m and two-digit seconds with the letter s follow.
9h39m35s
